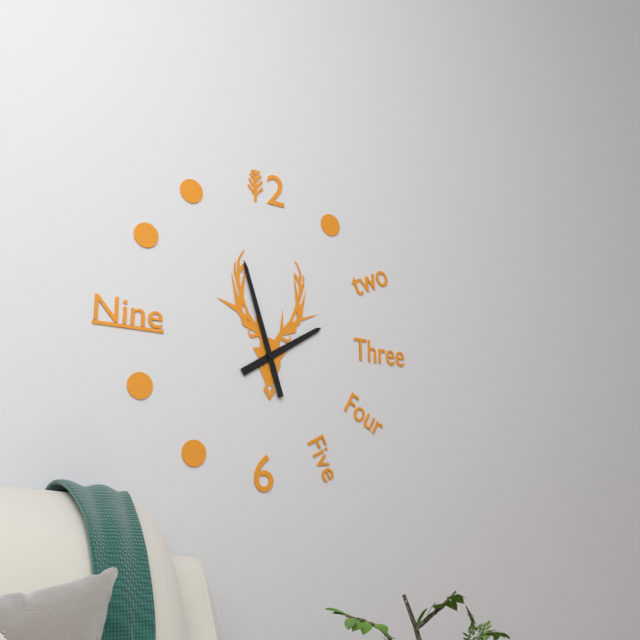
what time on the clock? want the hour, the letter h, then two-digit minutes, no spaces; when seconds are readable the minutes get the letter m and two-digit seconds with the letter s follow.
1h57
